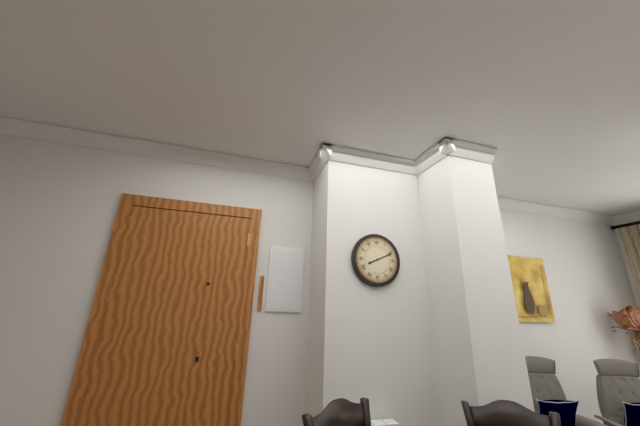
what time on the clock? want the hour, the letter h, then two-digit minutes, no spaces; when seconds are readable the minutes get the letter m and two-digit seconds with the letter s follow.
8h11
